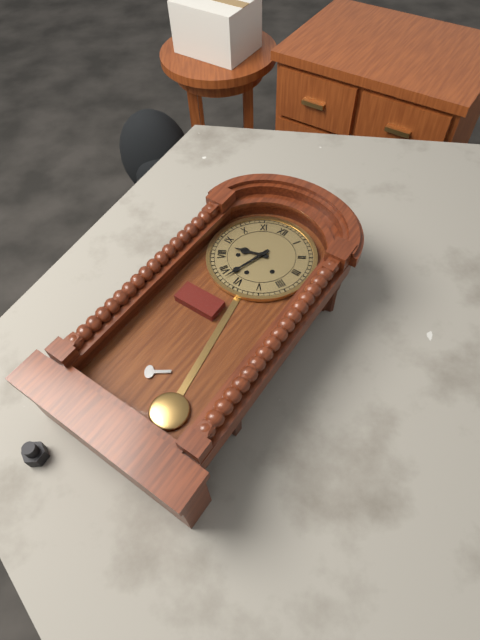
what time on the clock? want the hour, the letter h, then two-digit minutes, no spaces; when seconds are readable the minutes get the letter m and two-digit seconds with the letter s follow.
8h33
